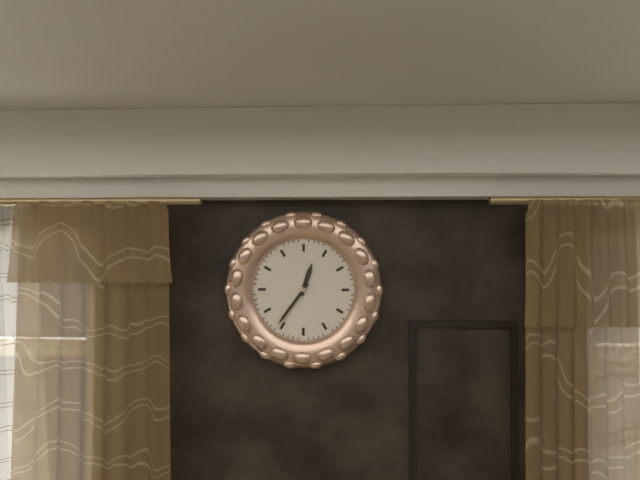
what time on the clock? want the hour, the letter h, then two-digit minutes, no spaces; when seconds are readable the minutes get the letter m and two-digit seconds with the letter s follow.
12h36
